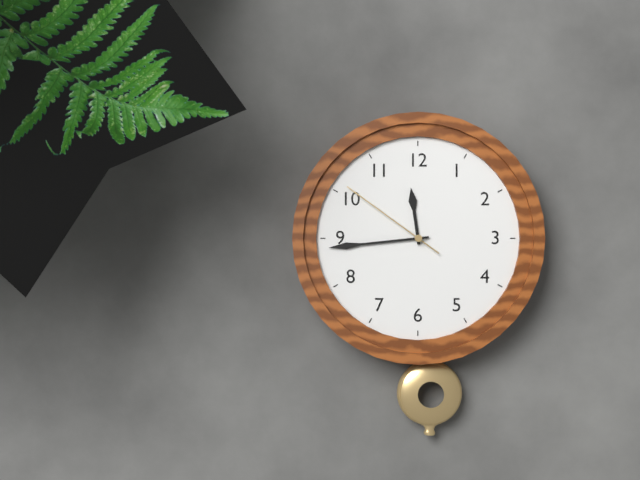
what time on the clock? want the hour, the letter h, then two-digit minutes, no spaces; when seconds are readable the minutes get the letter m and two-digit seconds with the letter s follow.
11h44m51s
